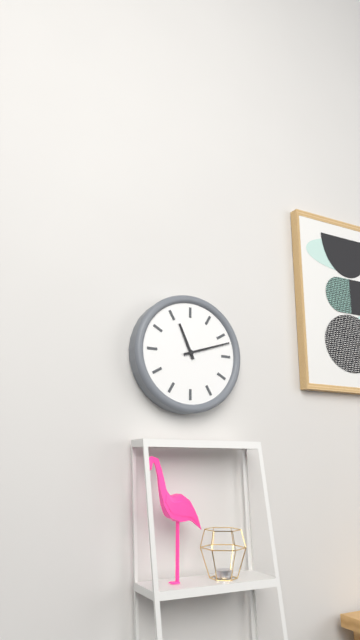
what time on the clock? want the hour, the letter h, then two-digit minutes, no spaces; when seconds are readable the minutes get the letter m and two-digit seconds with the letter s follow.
11h12
